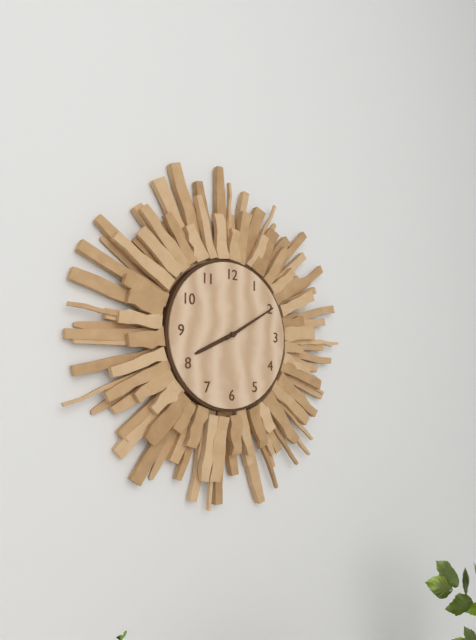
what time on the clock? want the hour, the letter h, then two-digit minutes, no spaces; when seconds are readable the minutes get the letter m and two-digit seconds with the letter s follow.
8h10
